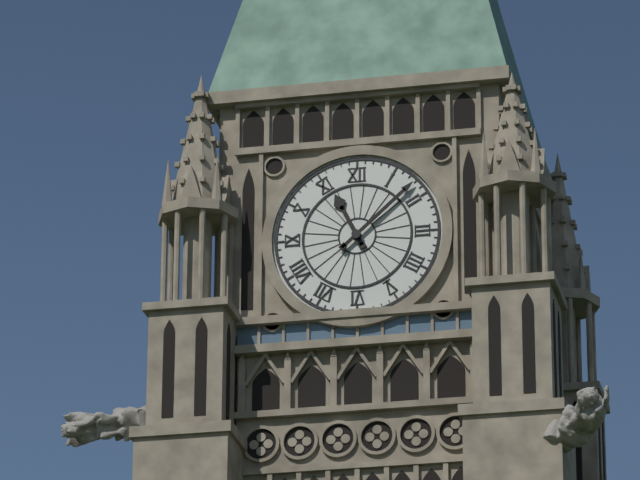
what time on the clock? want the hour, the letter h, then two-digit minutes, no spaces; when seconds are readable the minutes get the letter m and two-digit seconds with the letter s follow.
11h08
